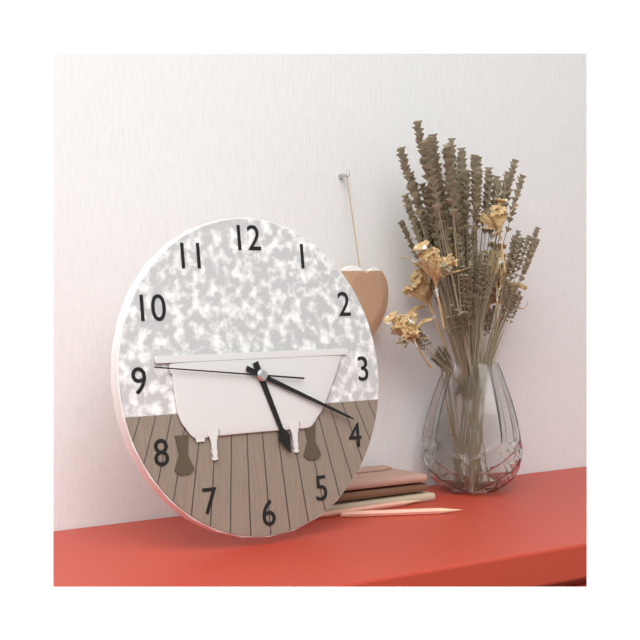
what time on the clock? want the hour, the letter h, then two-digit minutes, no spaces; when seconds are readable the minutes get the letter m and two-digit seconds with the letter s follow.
5h19m46s
